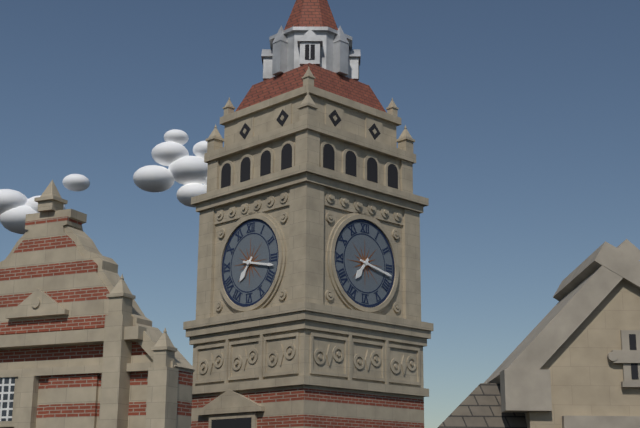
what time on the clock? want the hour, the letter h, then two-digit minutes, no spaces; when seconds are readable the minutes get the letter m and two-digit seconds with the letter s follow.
7h17
